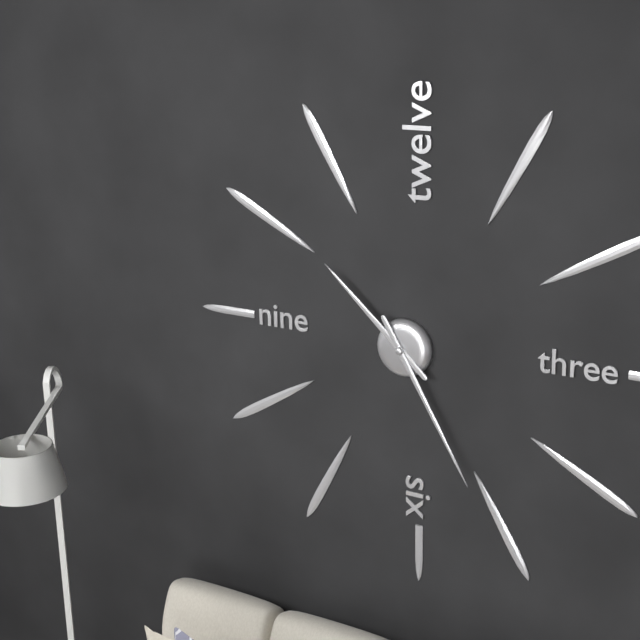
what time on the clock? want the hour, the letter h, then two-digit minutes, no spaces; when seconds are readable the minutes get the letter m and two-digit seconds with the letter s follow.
10h25
